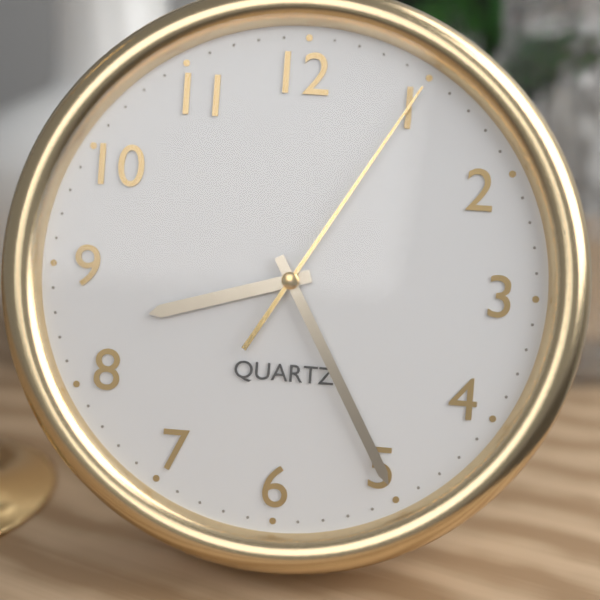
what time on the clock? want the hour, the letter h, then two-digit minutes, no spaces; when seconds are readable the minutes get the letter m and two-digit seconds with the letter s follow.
8h25m05s
